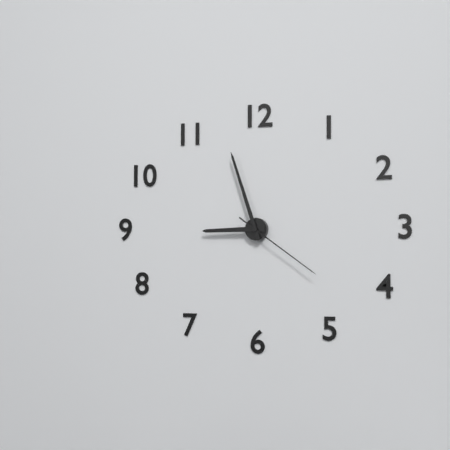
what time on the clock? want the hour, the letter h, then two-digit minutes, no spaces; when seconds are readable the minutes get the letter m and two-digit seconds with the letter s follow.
8h57m21s
